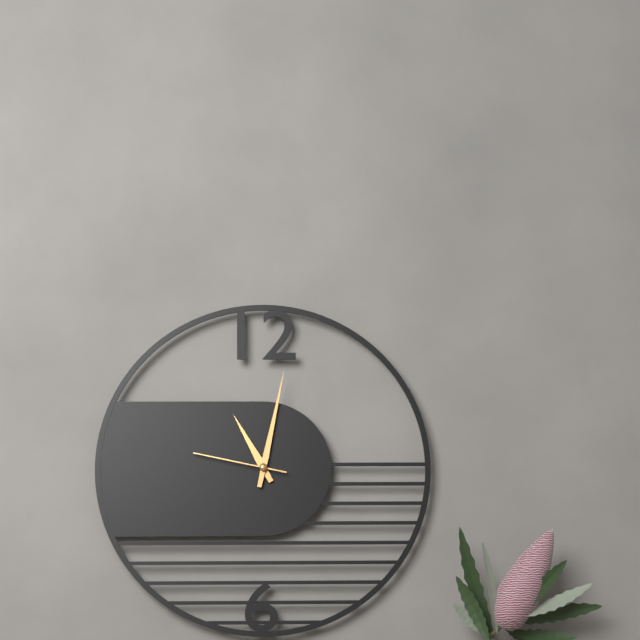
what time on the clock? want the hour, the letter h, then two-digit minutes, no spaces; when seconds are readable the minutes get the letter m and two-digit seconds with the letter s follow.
11h02m47s
